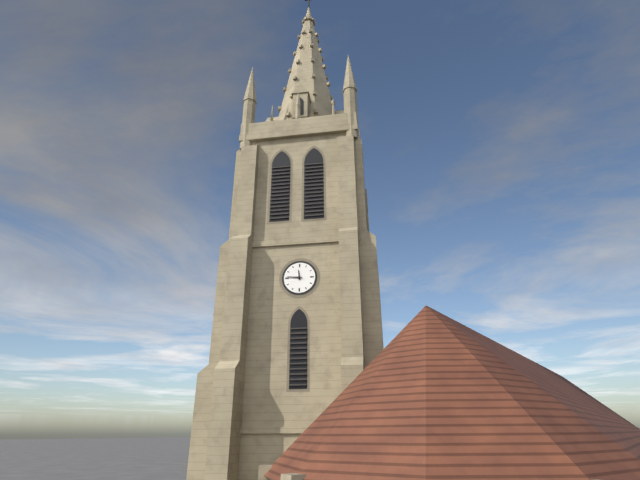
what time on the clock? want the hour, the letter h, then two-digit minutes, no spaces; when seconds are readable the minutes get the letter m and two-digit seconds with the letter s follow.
11h46
